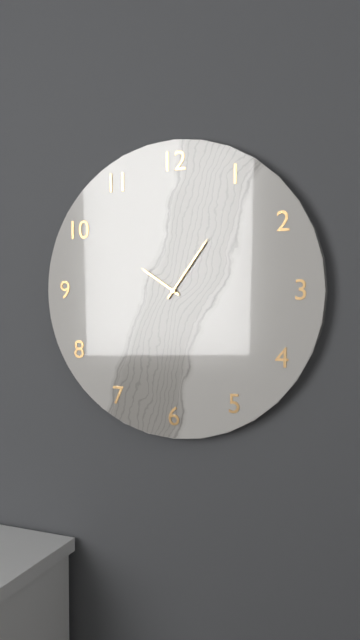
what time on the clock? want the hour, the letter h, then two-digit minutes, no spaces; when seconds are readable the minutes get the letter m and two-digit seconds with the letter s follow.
10h06
